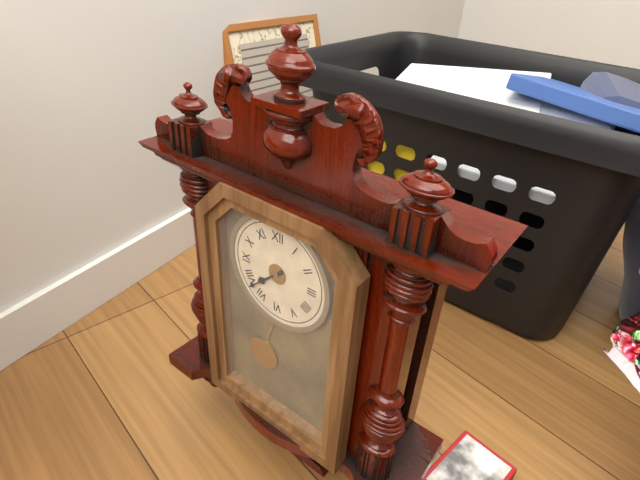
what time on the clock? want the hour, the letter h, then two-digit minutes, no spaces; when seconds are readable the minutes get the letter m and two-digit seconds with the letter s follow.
7h38
